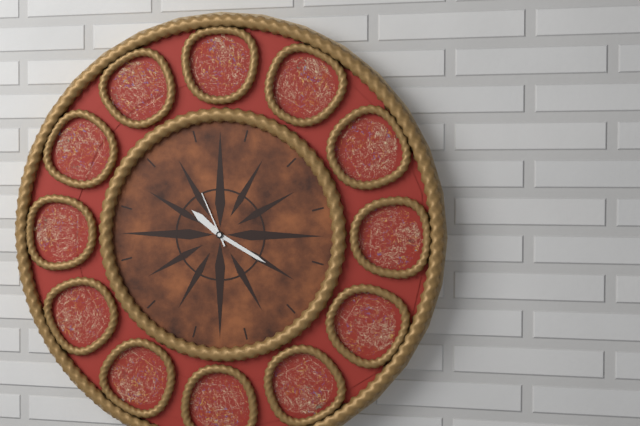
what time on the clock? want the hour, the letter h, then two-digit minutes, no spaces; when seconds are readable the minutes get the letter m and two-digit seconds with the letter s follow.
10h20m56s
